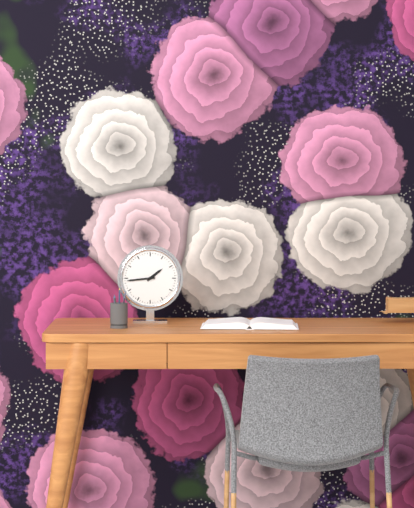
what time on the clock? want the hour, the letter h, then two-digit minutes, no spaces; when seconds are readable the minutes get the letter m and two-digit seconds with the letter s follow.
1h44
